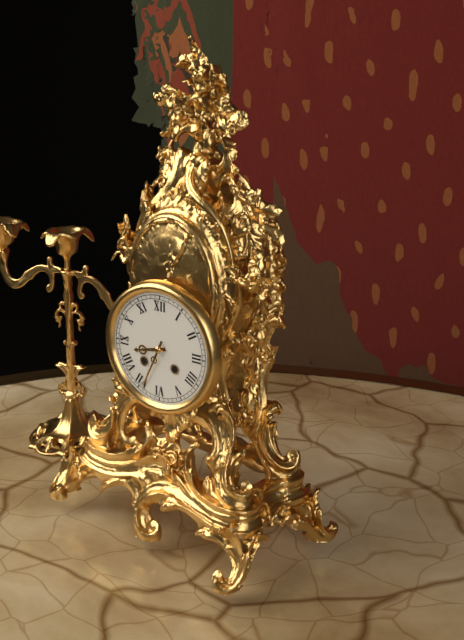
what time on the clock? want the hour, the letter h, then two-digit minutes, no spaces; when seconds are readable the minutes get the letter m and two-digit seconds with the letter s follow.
8h34
